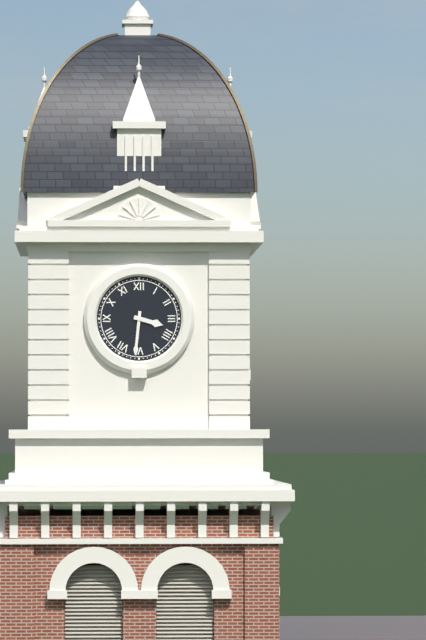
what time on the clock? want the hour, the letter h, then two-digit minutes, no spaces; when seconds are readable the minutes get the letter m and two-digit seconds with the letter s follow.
3h31
